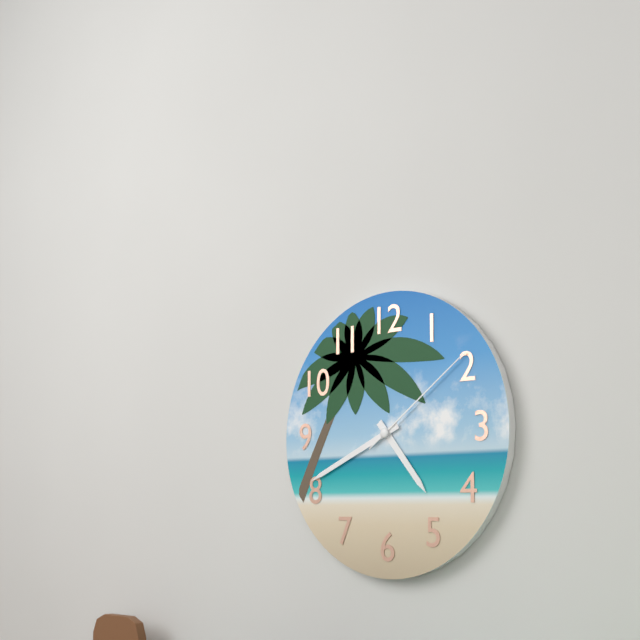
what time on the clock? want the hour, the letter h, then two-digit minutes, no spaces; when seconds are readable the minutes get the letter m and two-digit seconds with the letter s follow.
4h41m09s
